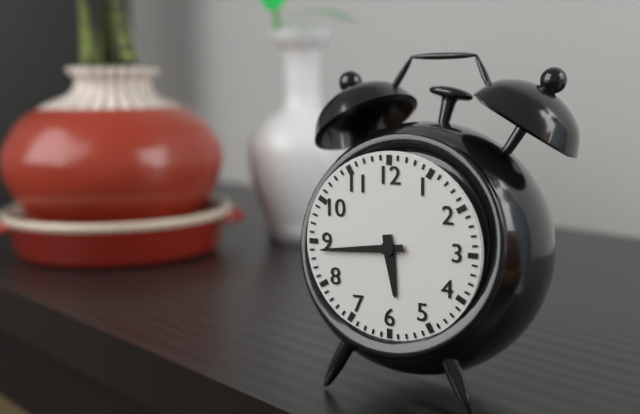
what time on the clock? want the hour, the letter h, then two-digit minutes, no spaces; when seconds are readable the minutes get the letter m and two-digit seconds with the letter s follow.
5h44
